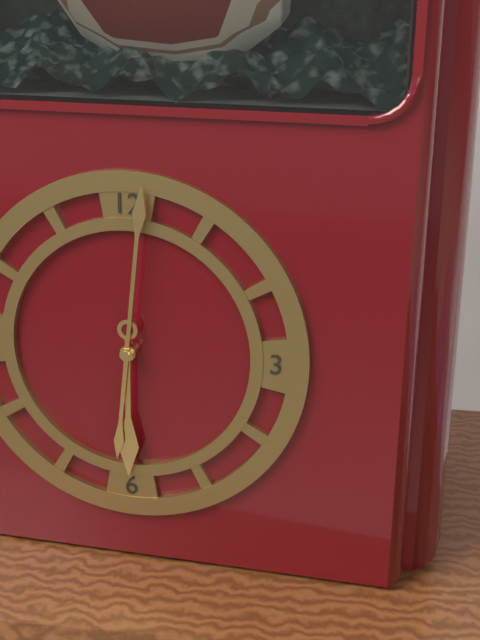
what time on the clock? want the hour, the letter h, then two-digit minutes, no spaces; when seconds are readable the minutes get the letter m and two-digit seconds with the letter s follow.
6h01
